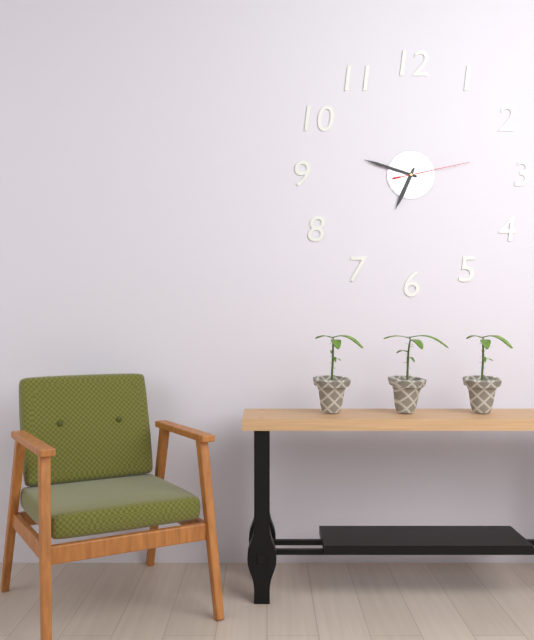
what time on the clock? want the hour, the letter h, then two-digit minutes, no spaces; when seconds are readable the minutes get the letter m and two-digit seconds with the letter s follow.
6h48m13s
